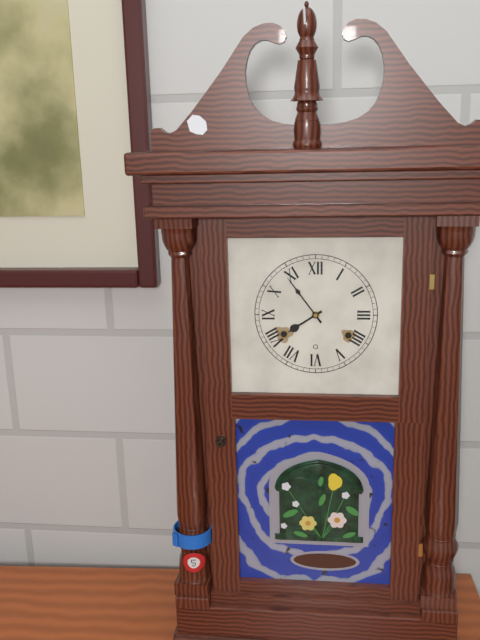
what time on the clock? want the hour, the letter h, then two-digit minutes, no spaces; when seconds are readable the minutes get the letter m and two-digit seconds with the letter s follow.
7h54
